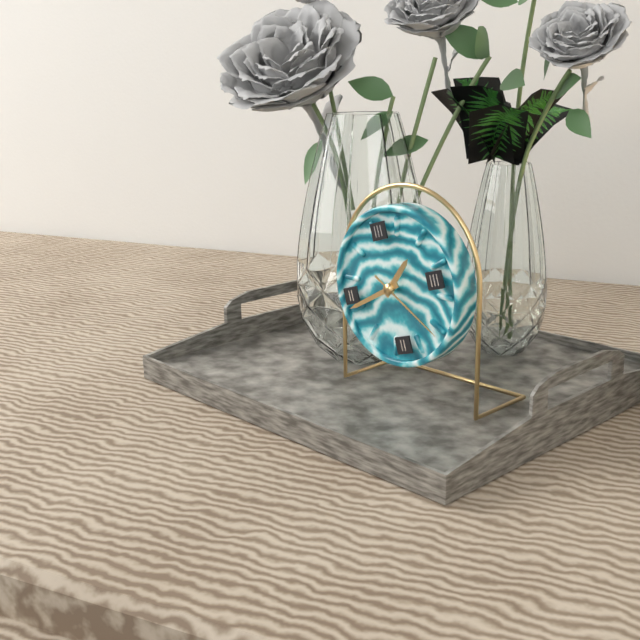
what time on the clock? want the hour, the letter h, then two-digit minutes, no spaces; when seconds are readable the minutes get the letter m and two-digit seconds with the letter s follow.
1h43m23s
